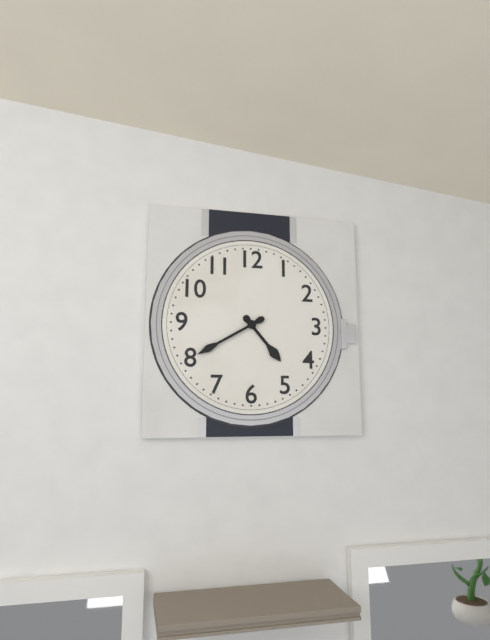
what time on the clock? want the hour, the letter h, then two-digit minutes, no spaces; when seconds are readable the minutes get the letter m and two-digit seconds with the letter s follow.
4h40
